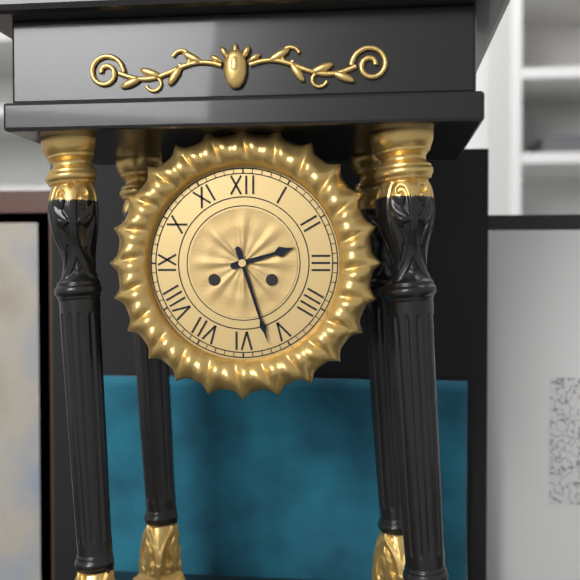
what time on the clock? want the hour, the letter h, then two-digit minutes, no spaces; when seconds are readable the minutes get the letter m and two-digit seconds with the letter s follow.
2h27
